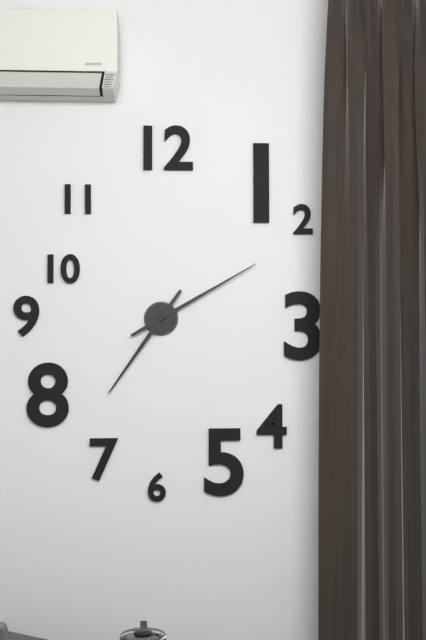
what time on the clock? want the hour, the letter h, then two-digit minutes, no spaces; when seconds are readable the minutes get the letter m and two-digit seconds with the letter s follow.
7h10
